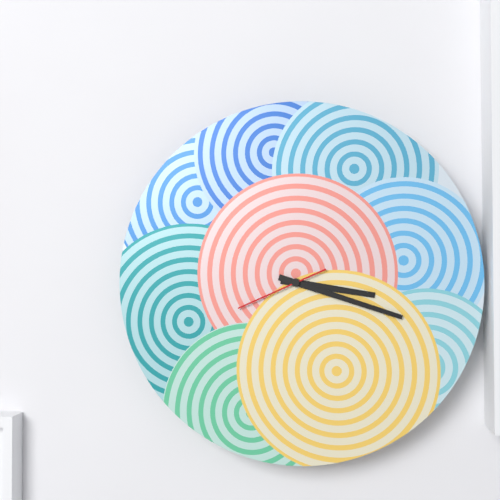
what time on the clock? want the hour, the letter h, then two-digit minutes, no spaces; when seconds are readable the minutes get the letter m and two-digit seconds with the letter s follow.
3h18m41s
